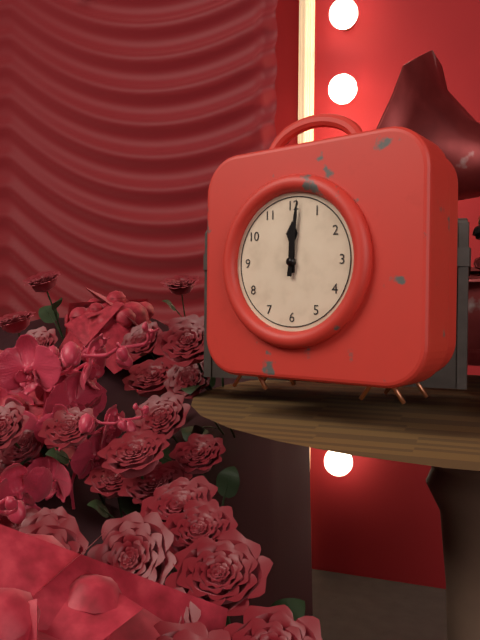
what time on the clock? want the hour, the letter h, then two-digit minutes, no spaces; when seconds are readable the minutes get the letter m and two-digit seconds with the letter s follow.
12h01
